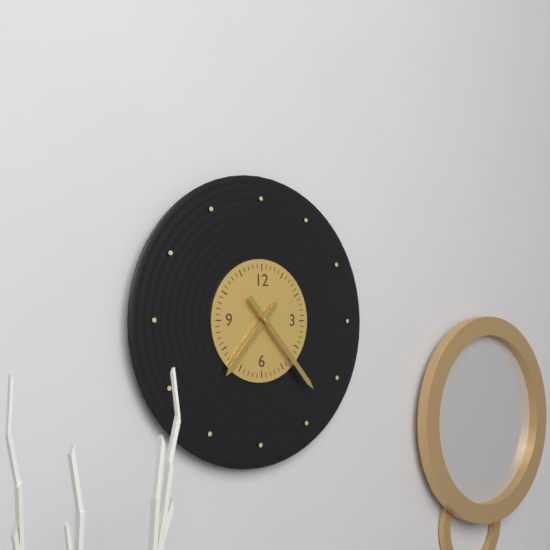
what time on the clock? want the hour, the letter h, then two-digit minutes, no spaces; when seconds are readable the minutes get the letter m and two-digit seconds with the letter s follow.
7h23
